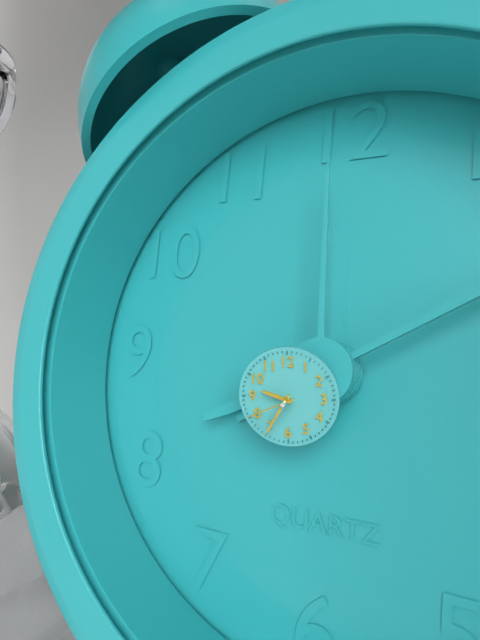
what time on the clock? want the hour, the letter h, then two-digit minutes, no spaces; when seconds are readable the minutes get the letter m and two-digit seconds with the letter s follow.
9h35m41s
